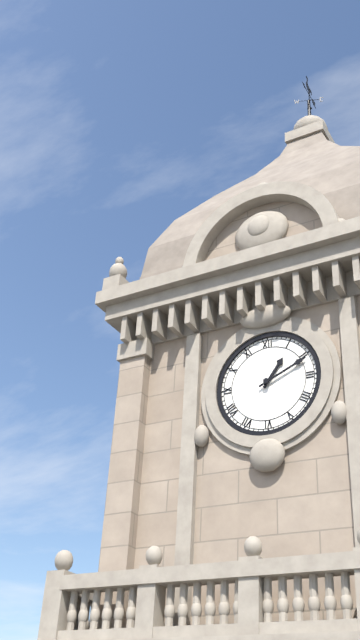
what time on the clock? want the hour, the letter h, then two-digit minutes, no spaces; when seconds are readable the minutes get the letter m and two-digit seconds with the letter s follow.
1h11
